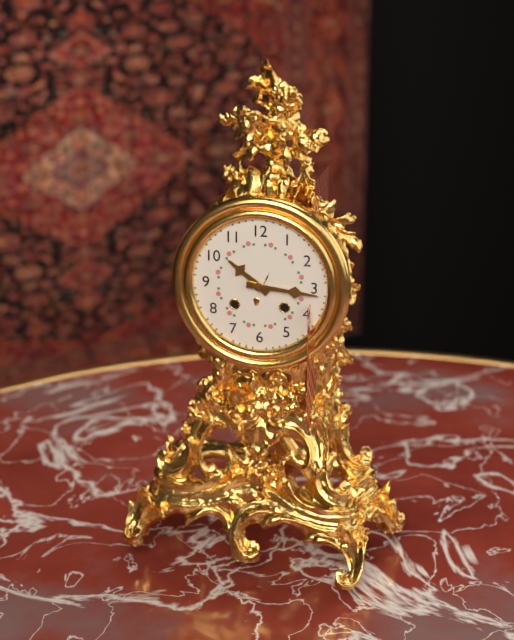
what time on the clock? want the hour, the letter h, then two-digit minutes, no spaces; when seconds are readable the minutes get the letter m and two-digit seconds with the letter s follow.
10h16
